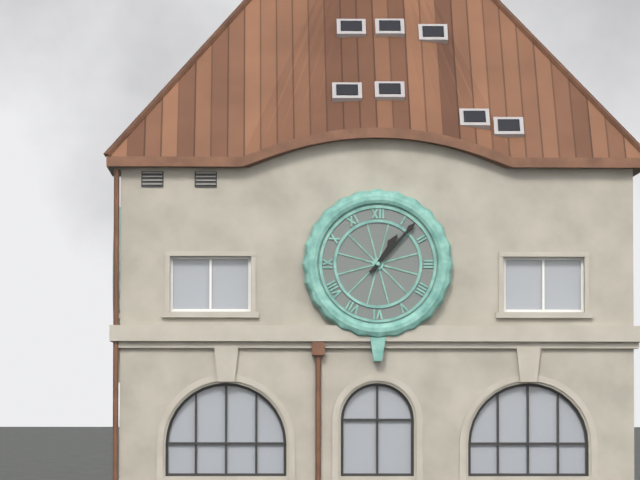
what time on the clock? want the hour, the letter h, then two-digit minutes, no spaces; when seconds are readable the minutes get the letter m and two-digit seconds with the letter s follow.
1h07
